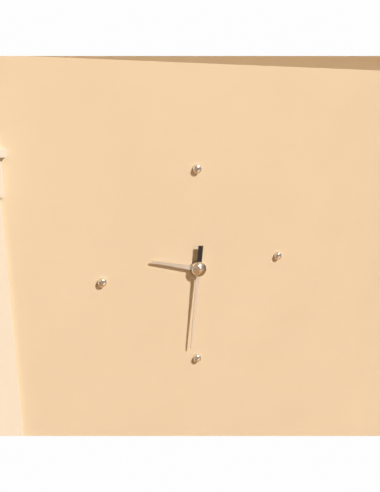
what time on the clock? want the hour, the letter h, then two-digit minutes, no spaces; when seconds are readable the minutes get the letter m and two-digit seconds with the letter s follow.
9h31
